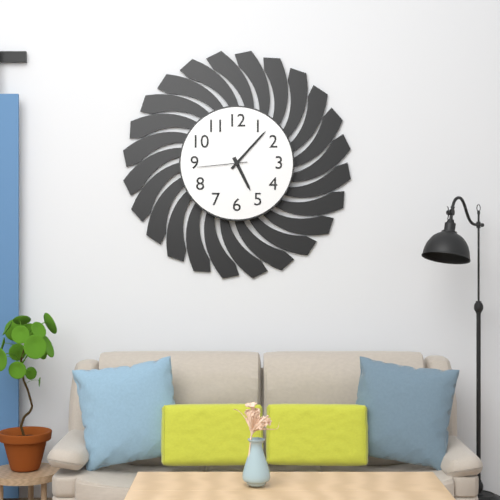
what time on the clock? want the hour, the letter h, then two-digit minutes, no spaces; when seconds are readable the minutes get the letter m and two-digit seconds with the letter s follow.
5h07m44s
